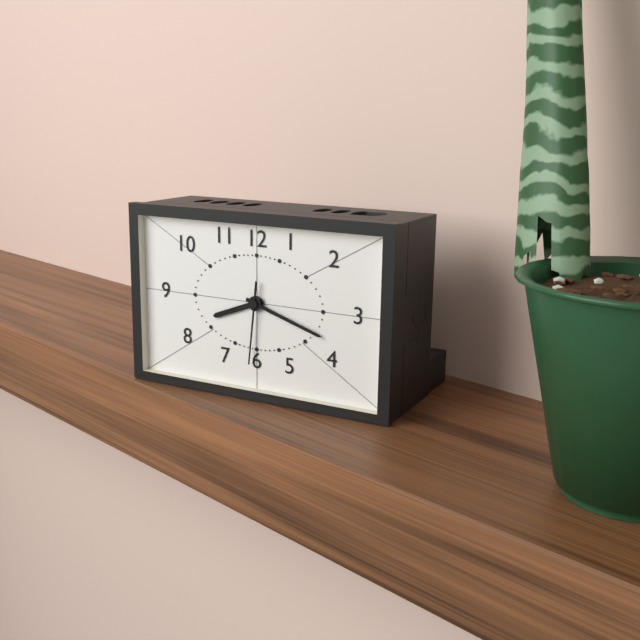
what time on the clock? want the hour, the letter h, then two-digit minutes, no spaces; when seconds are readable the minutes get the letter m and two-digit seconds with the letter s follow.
8h18m31s
